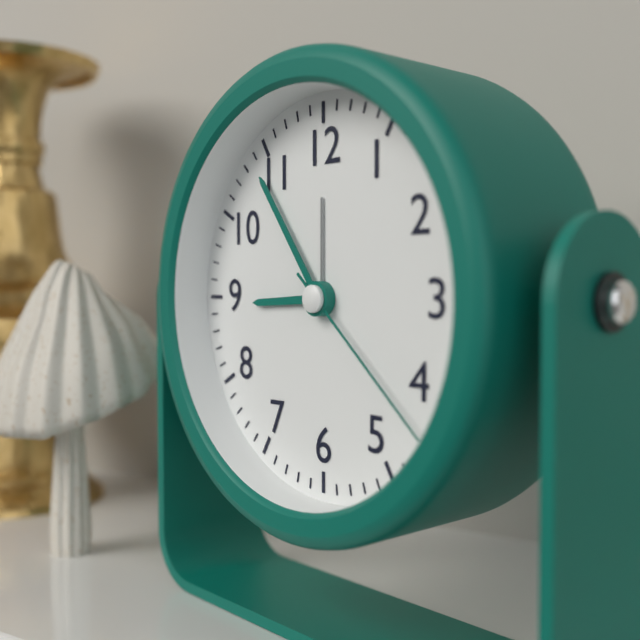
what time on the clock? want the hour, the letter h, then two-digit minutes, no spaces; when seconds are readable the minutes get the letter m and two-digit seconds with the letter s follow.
8h54m22s
